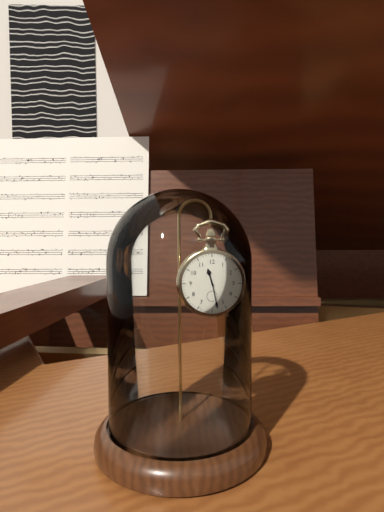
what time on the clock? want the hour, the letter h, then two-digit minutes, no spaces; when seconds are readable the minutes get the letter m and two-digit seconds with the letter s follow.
11h28
